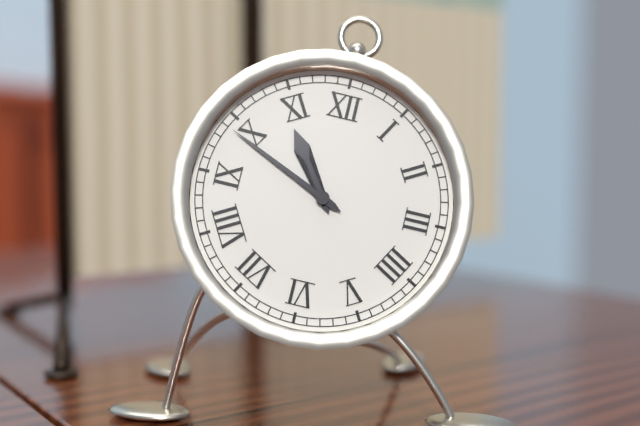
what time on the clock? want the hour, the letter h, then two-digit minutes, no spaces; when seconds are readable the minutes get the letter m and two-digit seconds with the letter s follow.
10h49
